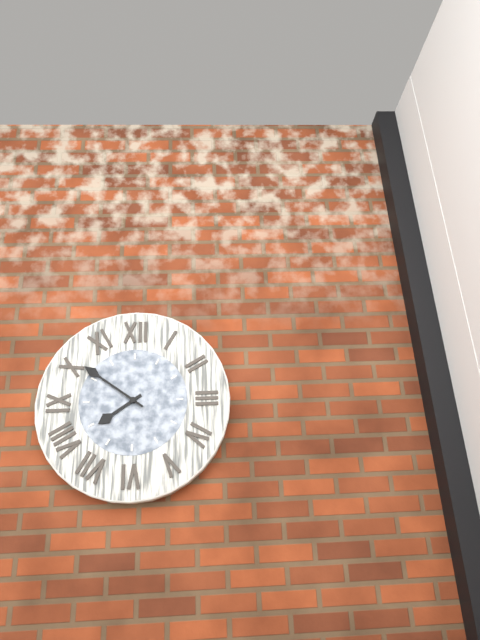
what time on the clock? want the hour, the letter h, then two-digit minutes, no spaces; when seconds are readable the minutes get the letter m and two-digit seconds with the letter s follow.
7h51
